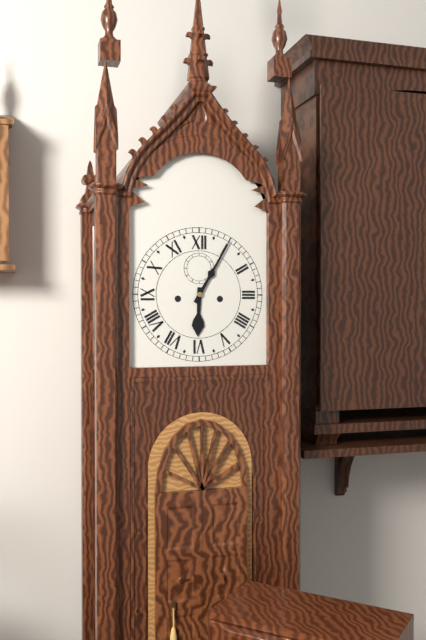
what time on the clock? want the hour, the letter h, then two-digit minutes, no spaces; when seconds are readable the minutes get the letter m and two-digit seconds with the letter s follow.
6h05
